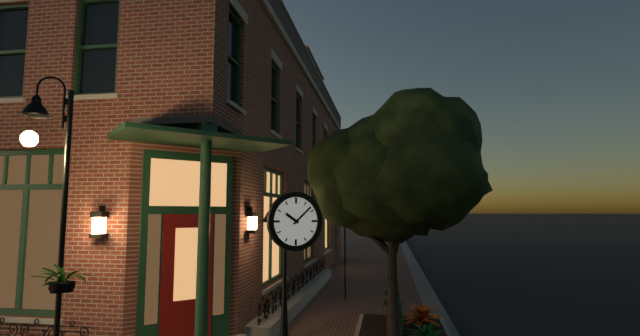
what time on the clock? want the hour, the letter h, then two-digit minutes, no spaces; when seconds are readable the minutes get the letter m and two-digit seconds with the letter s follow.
10h08
